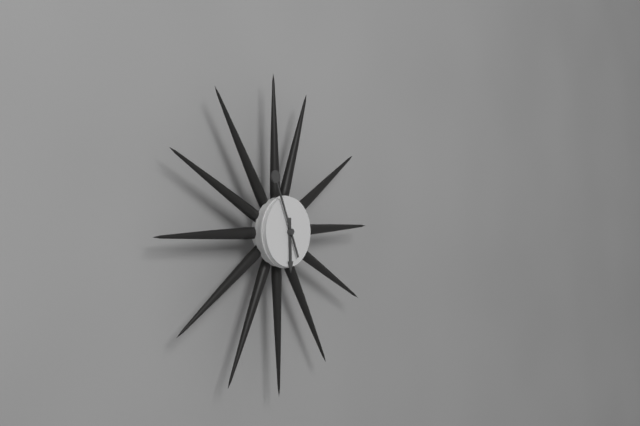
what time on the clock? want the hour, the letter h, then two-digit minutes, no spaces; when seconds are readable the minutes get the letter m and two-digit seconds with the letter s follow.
5h56
